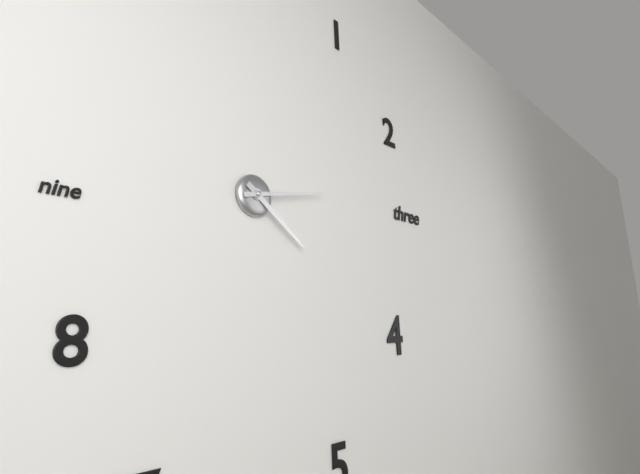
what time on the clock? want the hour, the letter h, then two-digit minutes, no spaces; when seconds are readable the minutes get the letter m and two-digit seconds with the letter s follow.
4h13
